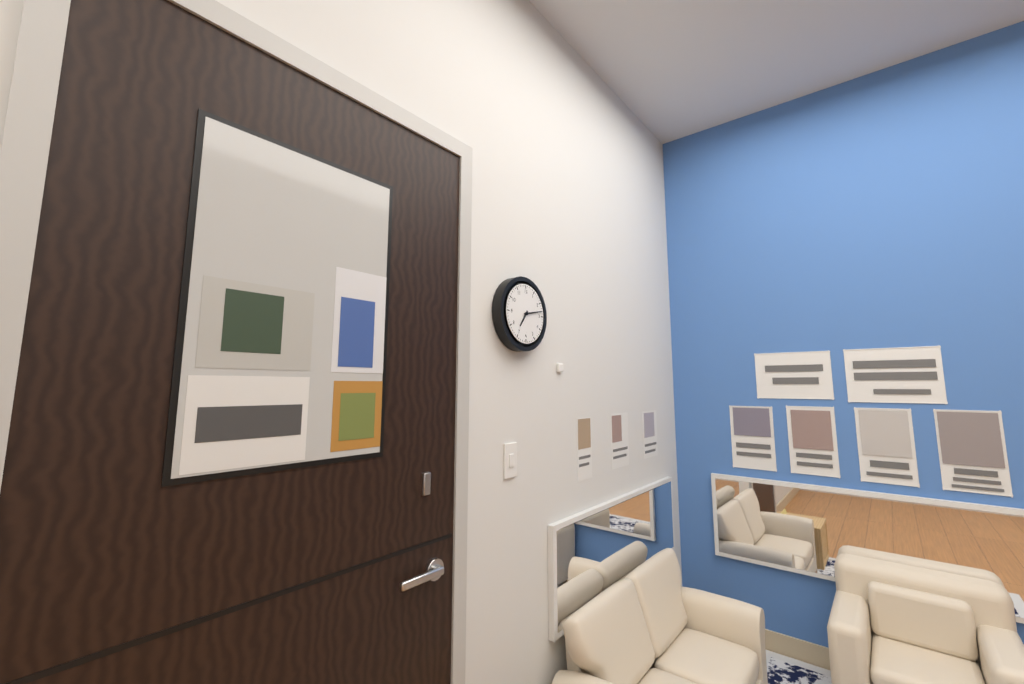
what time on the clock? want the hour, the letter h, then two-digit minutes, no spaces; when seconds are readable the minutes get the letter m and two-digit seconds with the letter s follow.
7h13
